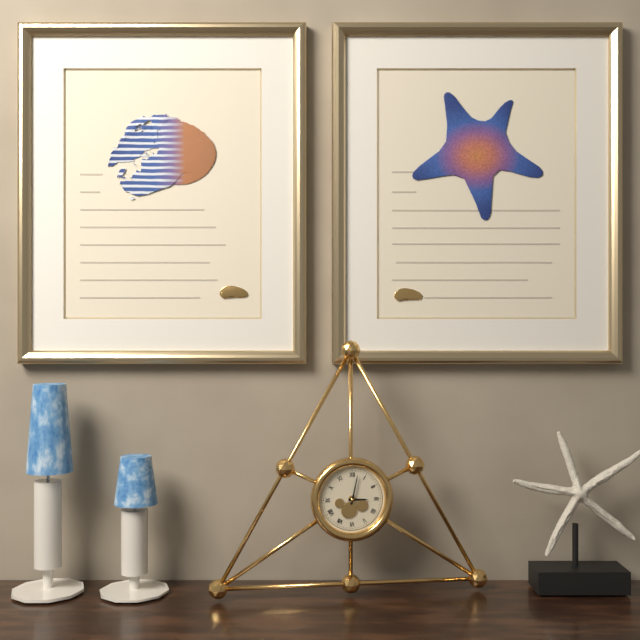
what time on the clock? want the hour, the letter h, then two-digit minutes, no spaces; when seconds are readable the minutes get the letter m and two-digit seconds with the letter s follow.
3h02
